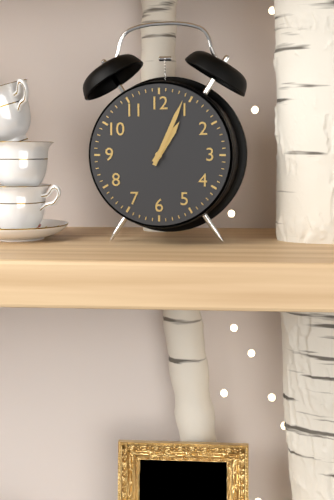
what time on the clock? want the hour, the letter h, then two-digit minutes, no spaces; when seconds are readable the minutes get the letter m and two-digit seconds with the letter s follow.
1h04
